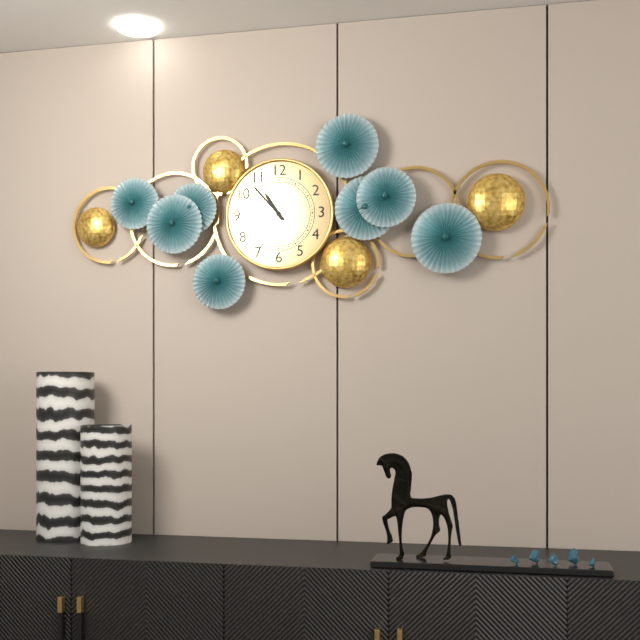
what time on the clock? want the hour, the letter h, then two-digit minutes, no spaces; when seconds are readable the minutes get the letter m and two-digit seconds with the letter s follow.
10h53
